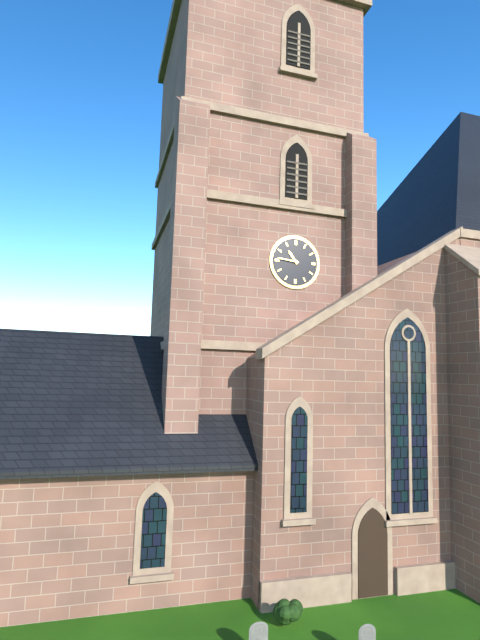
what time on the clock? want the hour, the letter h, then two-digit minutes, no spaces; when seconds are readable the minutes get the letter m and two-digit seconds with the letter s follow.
10h46
